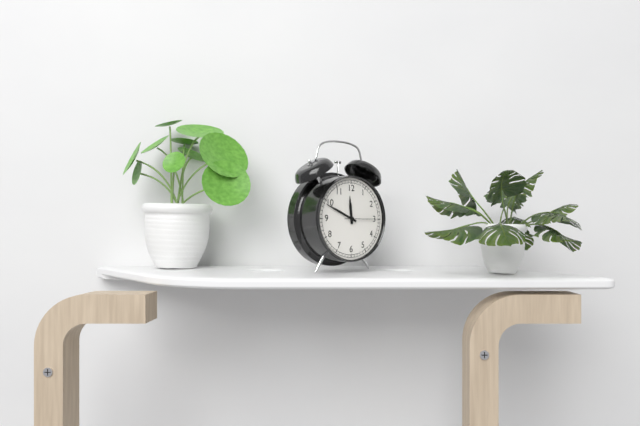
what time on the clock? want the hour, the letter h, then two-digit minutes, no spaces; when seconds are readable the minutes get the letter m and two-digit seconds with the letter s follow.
11h49
